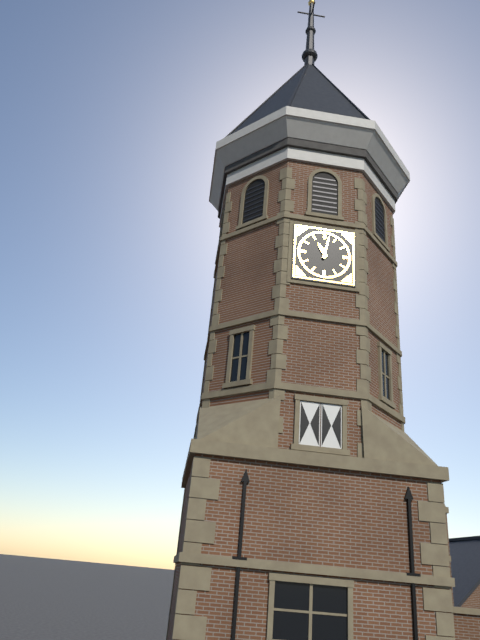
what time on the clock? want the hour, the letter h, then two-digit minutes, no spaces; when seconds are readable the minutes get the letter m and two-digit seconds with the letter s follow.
11h02
